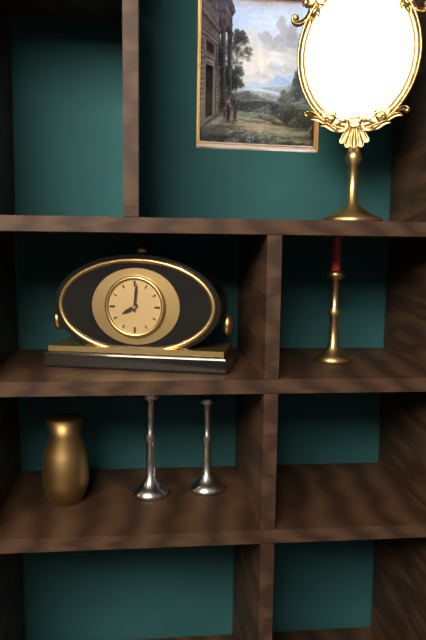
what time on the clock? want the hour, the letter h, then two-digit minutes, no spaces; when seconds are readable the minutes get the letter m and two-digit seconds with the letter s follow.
8h01
